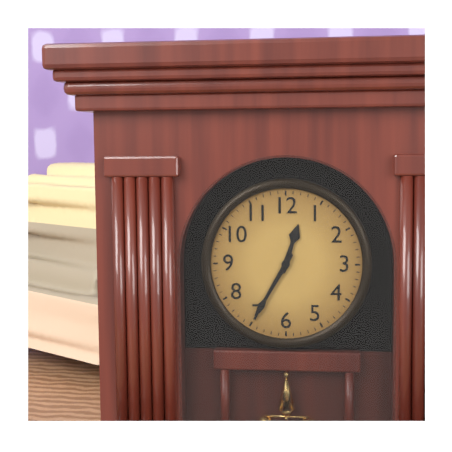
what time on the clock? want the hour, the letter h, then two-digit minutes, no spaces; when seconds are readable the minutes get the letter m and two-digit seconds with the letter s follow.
12h35
